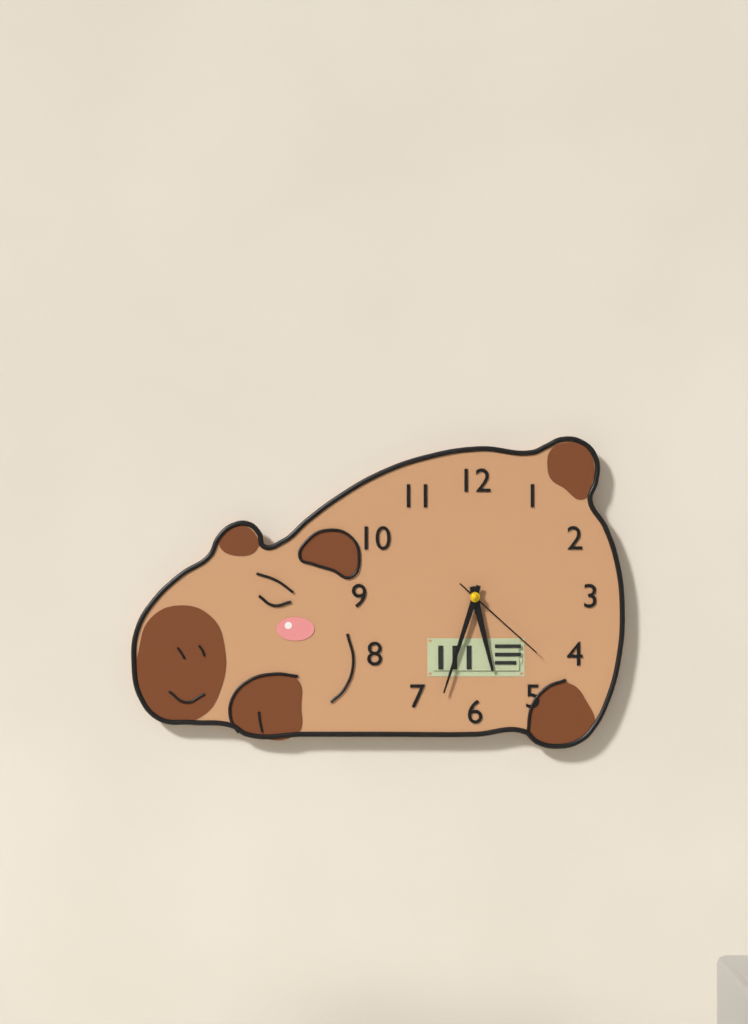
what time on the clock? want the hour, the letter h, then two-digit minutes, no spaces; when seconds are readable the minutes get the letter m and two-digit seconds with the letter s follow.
5h33m22s
